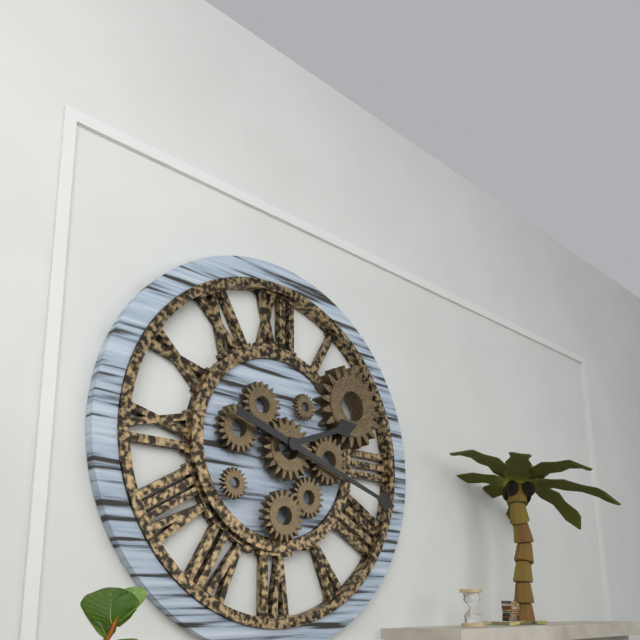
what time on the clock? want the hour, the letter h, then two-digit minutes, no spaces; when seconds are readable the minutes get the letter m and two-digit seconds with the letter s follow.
2h18
